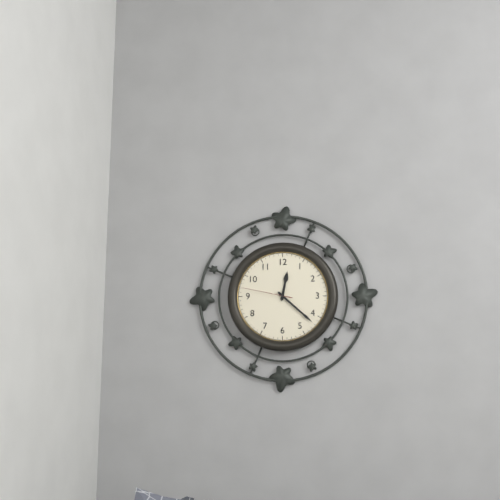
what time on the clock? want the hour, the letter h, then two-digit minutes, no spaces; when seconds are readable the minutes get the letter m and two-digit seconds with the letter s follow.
12h22m47s
